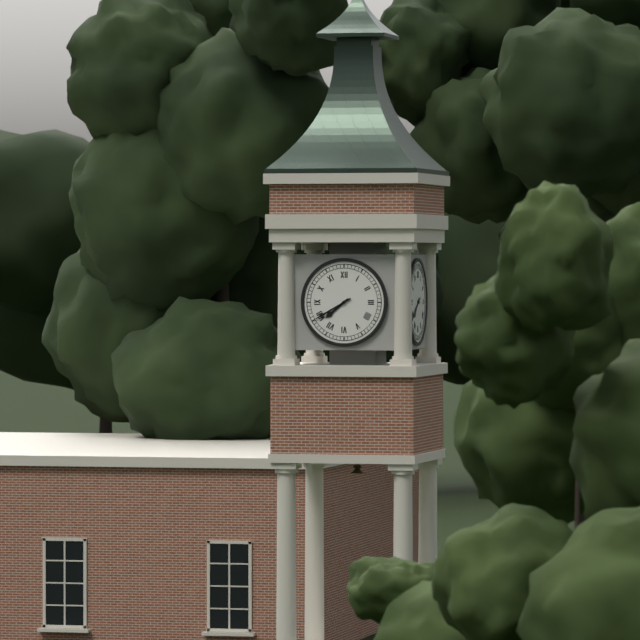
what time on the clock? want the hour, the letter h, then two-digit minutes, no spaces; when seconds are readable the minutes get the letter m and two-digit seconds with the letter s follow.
7h40
